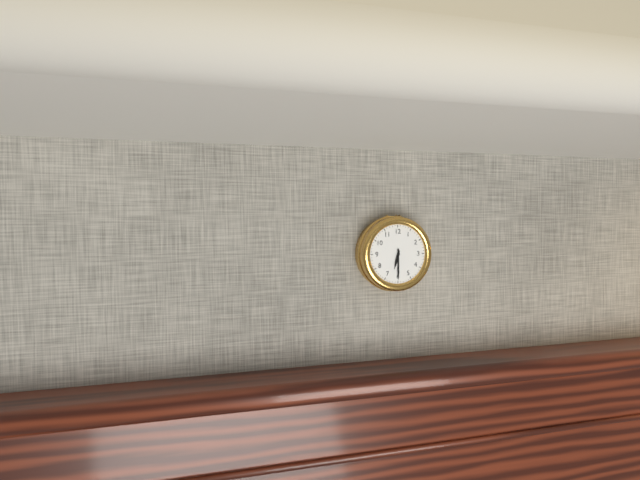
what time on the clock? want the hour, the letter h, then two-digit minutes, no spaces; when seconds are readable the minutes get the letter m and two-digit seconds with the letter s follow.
6h30
